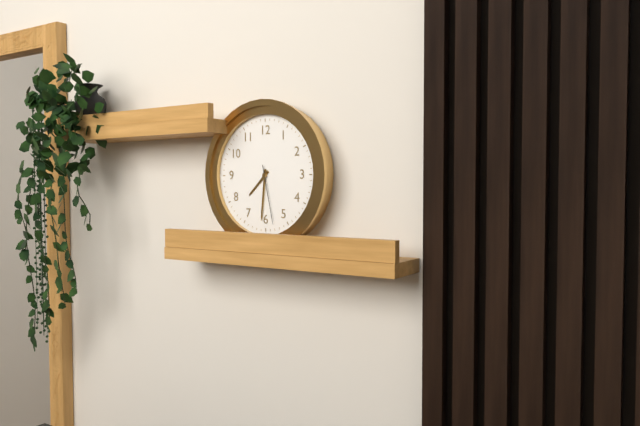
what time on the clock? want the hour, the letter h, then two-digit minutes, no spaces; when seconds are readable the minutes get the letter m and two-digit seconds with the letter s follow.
7h31m28s
